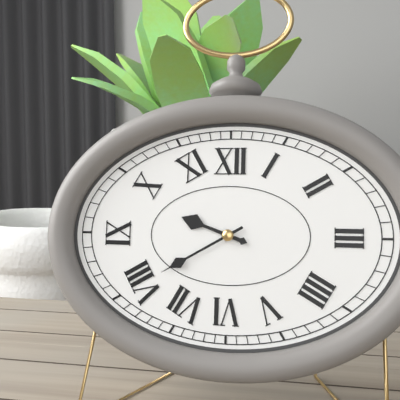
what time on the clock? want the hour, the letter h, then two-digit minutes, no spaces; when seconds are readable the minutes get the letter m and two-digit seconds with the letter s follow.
9h40
